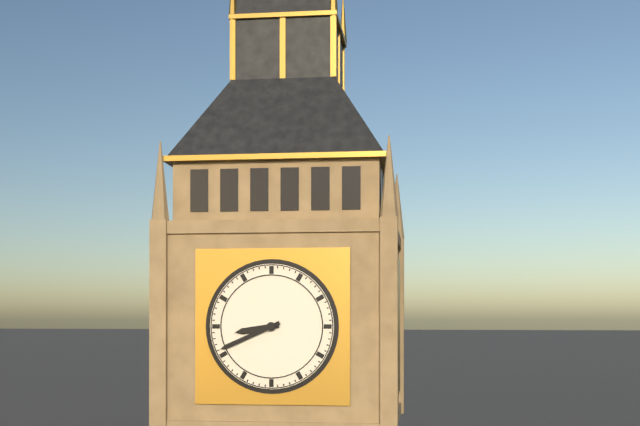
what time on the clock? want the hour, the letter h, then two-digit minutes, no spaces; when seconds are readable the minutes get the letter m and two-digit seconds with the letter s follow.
8h41
